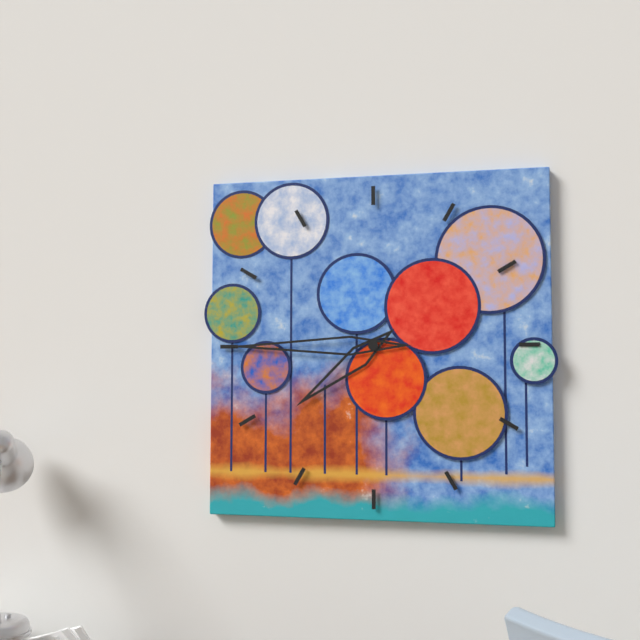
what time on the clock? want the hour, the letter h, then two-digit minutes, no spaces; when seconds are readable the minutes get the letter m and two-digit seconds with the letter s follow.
7h45
